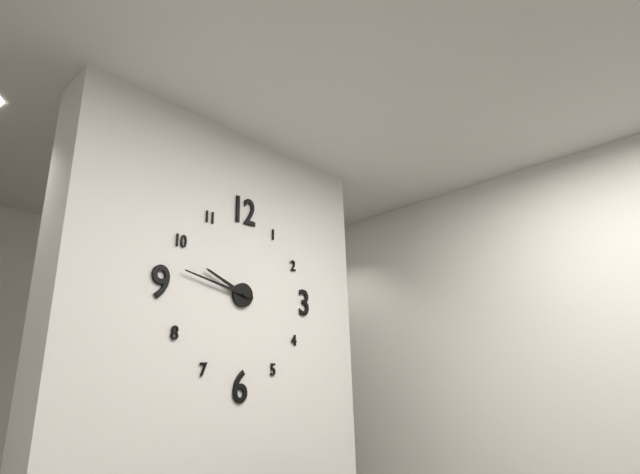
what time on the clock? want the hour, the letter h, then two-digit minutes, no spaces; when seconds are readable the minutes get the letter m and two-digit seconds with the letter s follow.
9h47
